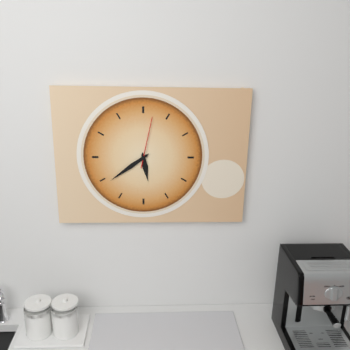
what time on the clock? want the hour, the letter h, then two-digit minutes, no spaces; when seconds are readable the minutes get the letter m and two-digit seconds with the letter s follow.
5h39m02s
